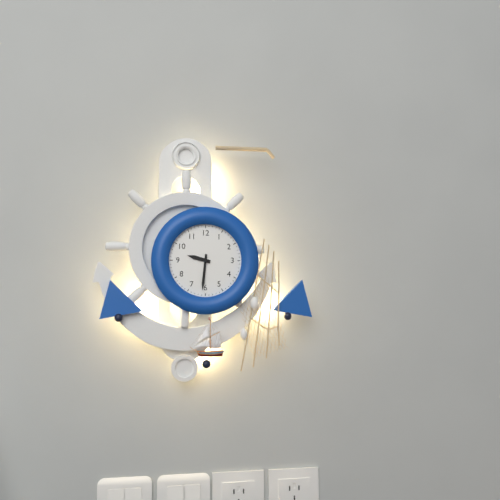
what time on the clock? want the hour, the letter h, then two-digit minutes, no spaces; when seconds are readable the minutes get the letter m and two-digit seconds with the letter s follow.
9h31
